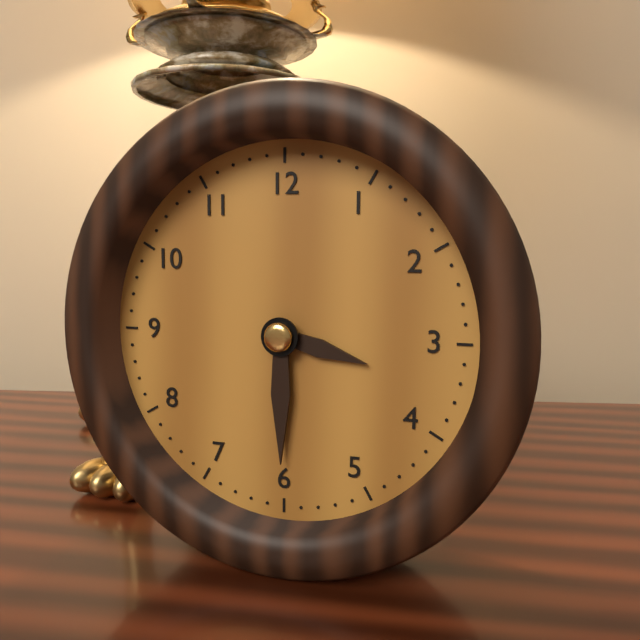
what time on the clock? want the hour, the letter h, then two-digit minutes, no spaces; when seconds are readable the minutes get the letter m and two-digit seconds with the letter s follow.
3h30
